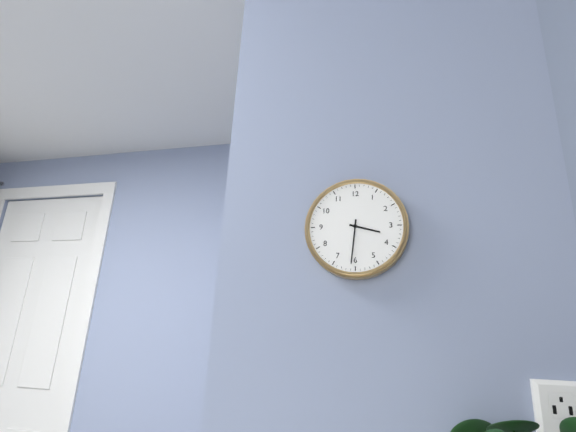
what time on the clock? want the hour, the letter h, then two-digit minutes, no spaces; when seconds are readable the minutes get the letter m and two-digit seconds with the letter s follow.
3h31
